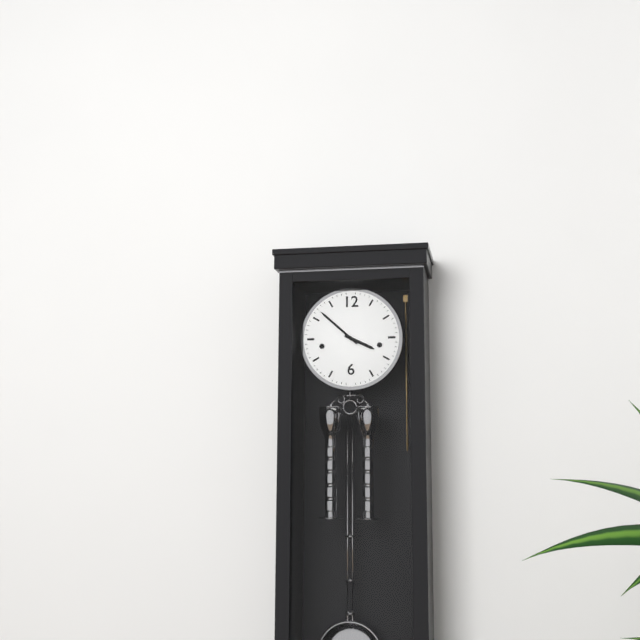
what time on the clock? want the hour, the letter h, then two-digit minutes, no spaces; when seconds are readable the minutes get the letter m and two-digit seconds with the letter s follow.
3h52
